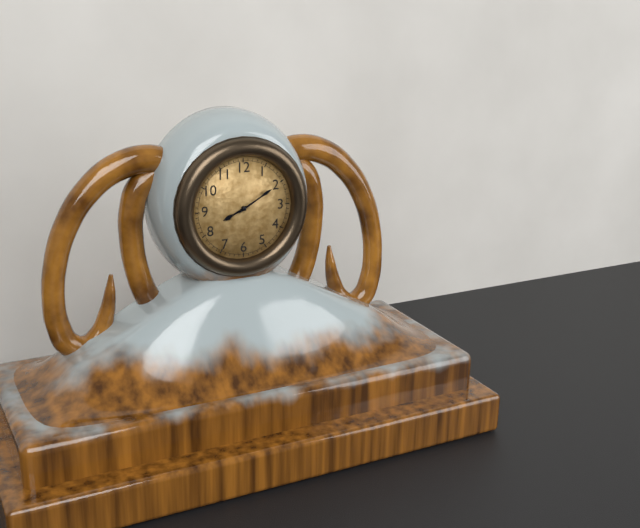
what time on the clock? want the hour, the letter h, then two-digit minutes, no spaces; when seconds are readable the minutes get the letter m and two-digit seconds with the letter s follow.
8h10
